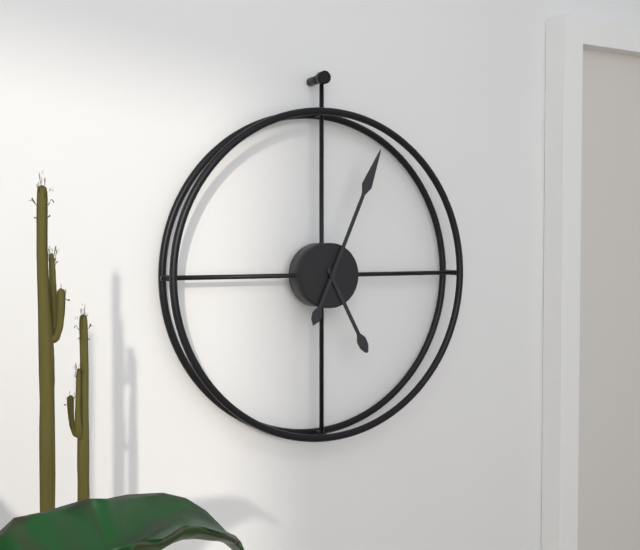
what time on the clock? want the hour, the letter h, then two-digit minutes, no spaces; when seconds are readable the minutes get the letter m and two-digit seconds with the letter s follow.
5h04
